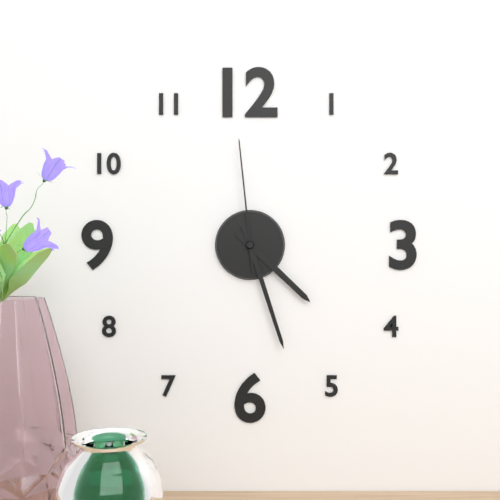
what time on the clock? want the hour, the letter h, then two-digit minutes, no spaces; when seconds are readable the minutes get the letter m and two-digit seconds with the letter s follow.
4h27m59s
